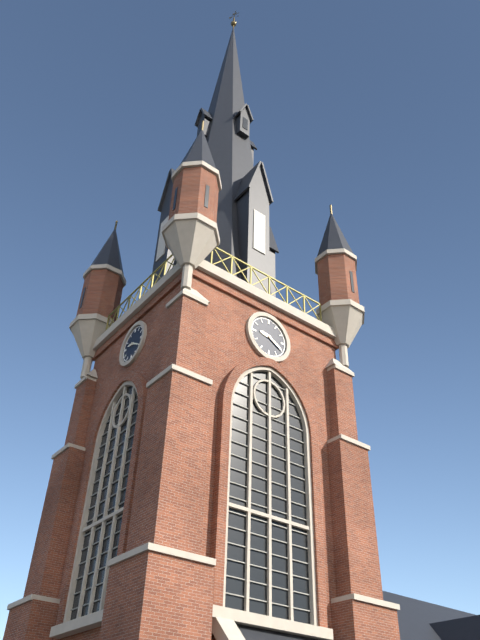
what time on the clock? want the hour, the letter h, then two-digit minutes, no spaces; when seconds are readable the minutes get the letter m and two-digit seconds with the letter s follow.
9h20
